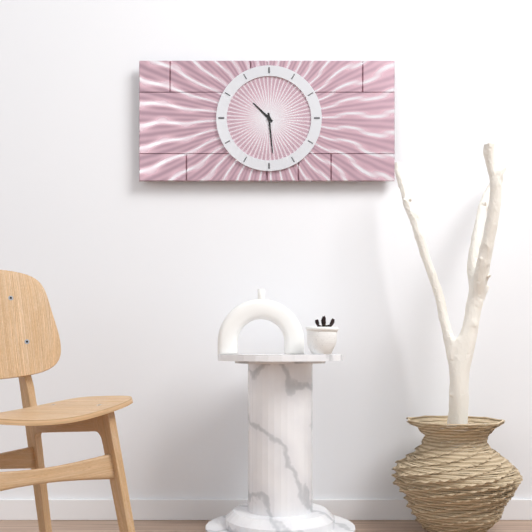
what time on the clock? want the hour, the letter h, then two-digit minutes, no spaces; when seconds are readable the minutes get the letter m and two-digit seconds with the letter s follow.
10h29
